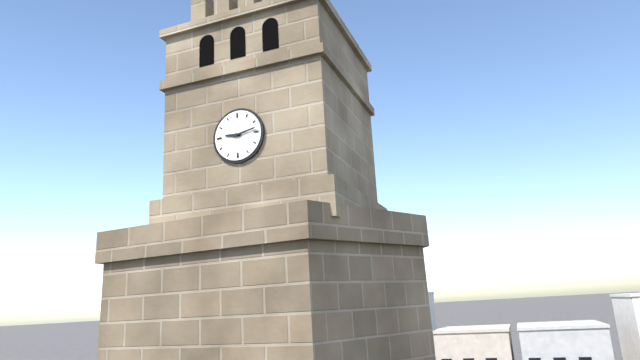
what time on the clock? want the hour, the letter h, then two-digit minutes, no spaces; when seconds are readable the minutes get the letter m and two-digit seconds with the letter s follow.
9h13
